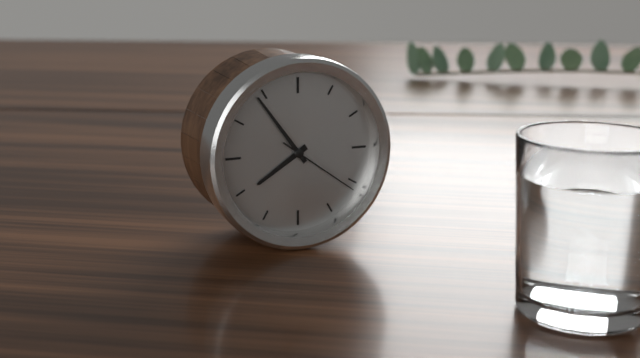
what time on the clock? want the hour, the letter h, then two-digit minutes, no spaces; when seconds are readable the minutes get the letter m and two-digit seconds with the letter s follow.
7h54m21s
